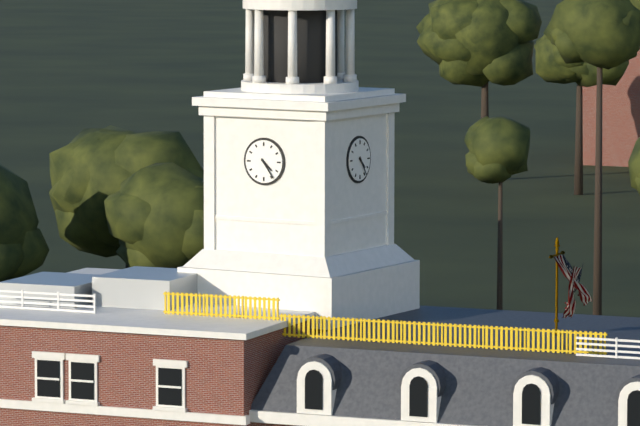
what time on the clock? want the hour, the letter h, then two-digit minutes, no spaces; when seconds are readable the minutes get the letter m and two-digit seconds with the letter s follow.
4h24
